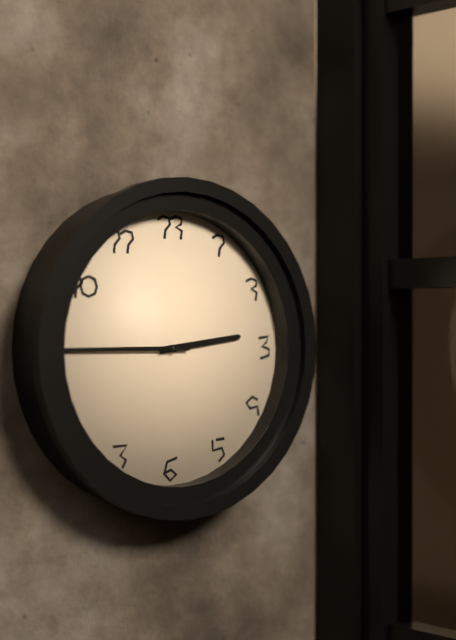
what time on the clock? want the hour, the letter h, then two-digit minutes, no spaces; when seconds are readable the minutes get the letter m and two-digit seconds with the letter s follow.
2h45
